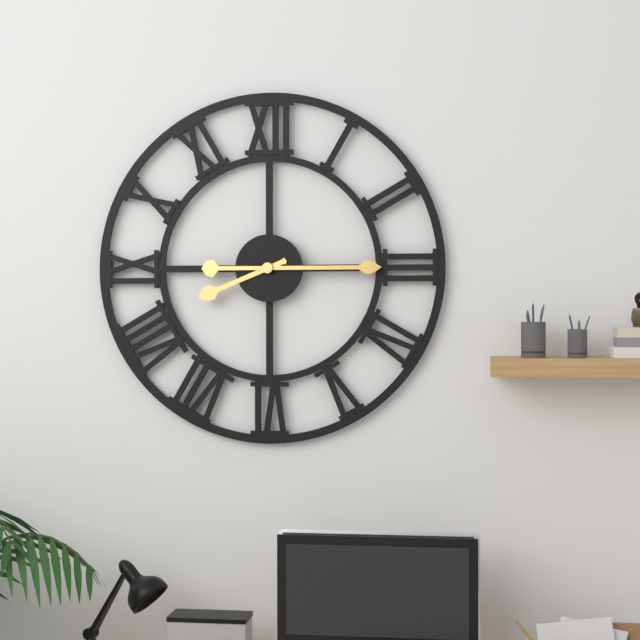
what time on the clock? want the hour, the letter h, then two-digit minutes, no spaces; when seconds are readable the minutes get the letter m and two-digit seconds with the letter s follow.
8h15
